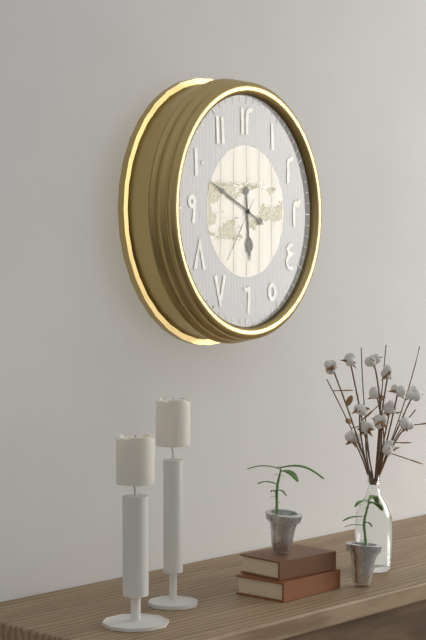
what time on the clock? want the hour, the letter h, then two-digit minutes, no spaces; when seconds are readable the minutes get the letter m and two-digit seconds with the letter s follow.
5h49m36s
